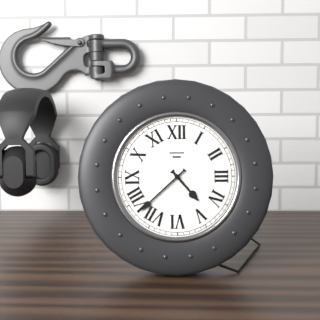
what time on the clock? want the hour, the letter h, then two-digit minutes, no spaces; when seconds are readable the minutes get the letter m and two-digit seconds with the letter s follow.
4h38
